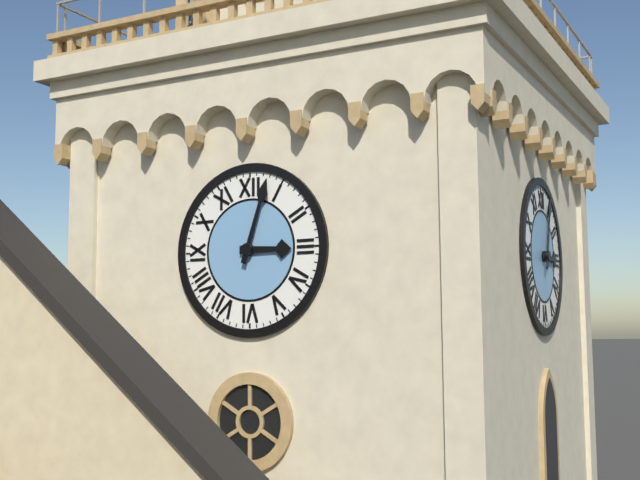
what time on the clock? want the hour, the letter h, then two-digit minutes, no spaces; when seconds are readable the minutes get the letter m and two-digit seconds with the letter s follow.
3h03
